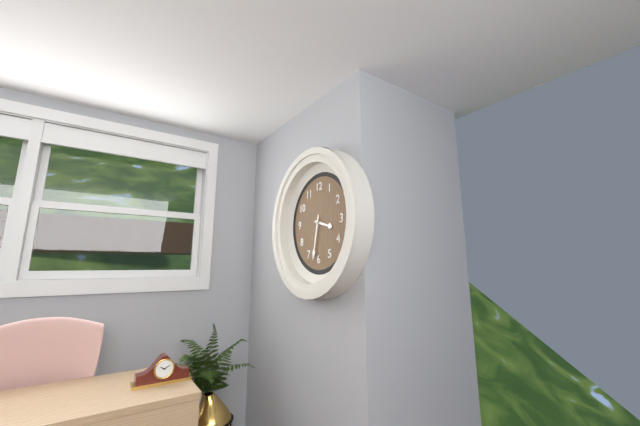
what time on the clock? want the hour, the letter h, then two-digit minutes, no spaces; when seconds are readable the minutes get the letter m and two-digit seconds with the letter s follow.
3h32
